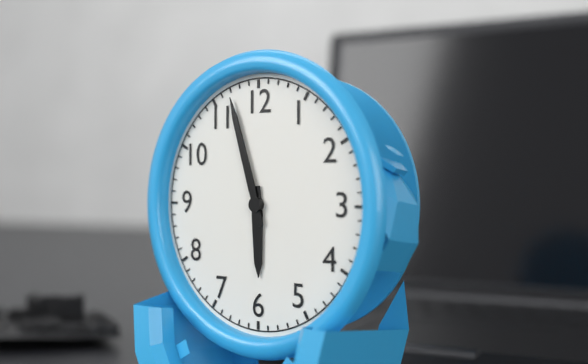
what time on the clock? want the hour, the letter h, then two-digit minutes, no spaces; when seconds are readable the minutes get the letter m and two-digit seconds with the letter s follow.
5h57
